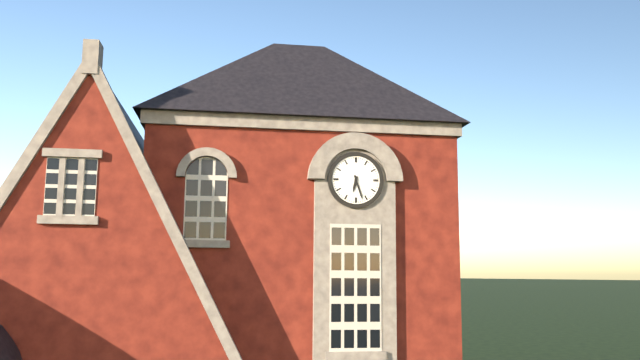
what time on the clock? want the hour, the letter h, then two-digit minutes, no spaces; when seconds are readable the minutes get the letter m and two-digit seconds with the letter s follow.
6h27
